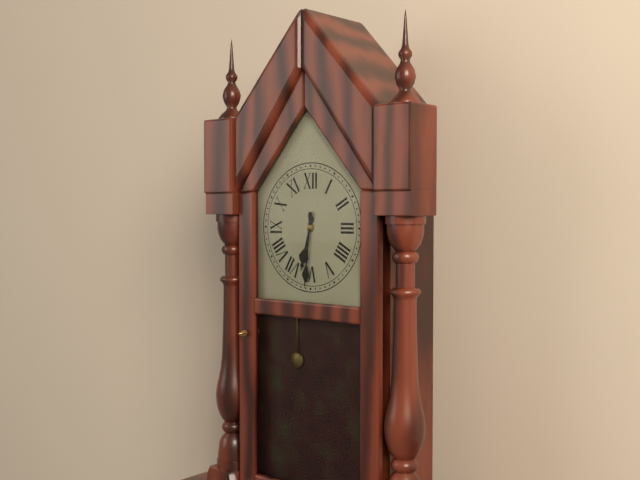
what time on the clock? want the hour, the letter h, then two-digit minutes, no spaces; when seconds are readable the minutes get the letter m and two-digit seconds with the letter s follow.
6h31
